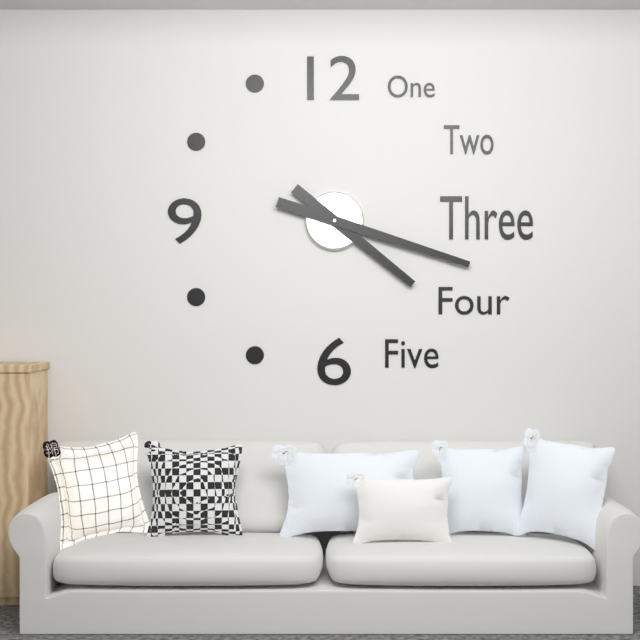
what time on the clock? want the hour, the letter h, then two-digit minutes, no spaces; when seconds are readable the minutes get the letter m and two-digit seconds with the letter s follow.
4h18
